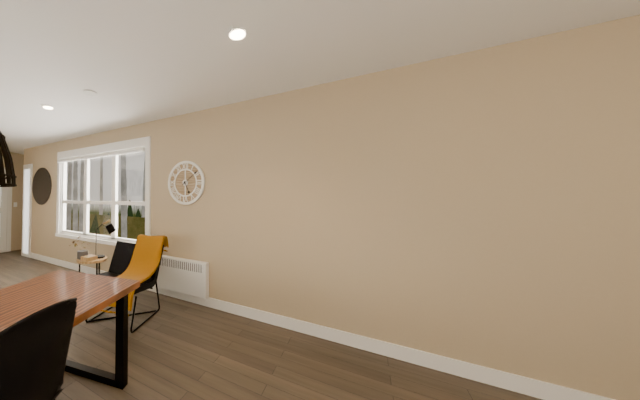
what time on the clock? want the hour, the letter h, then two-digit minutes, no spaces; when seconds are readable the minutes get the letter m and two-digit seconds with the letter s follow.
5h09
